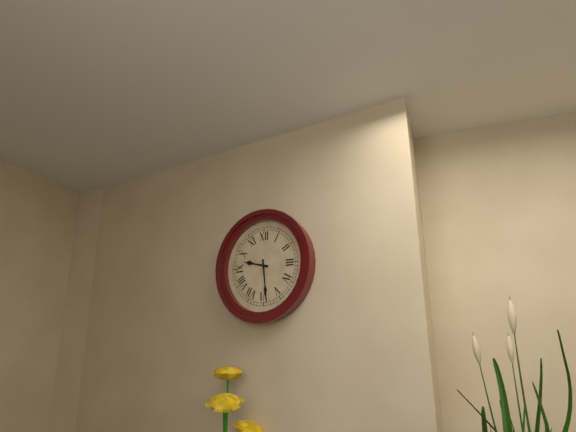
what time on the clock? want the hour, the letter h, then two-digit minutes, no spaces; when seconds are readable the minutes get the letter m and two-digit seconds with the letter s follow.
9h29
